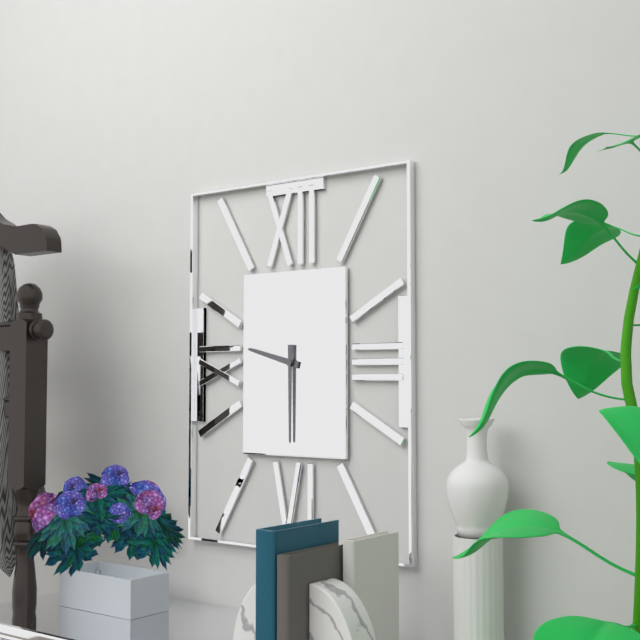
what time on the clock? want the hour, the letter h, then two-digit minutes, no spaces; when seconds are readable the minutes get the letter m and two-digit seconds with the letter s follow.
9h30
